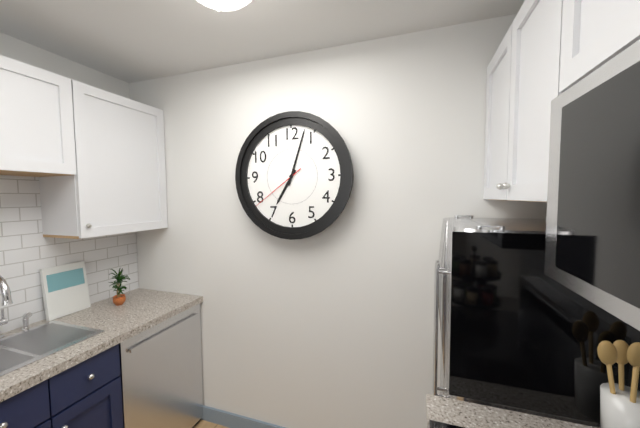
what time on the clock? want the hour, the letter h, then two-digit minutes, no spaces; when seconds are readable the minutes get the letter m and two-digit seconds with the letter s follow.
7h03m39s
